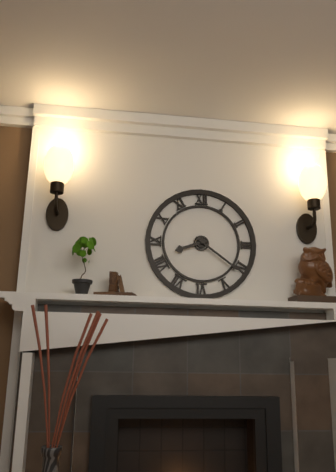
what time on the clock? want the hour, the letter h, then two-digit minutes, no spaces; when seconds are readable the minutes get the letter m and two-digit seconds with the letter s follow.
8h21
